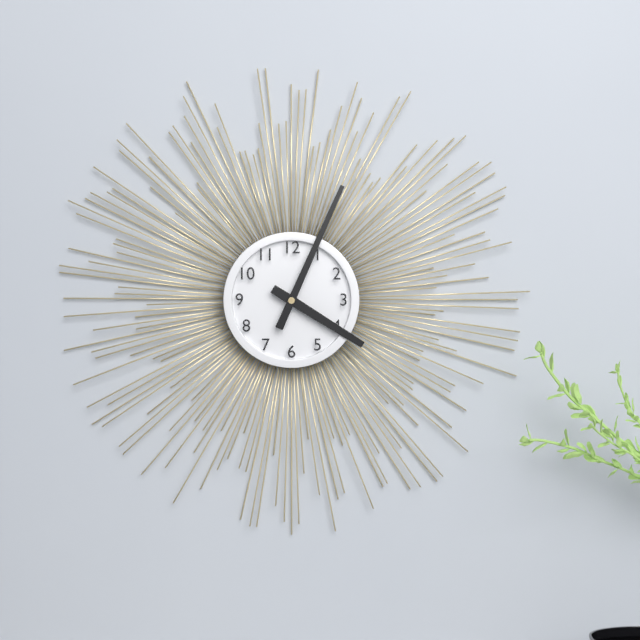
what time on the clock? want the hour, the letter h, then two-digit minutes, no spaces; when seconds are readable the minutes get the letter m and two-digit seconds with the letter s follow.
4h04
